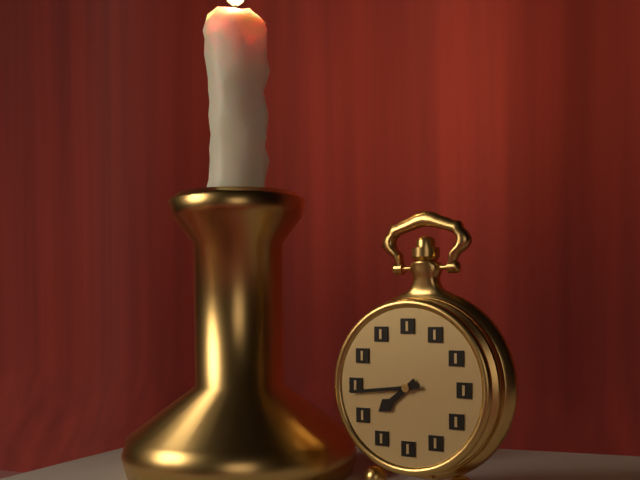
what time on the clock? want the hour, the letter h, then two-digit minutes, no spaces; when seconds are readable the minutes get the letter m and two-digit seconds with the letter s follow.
7h44
